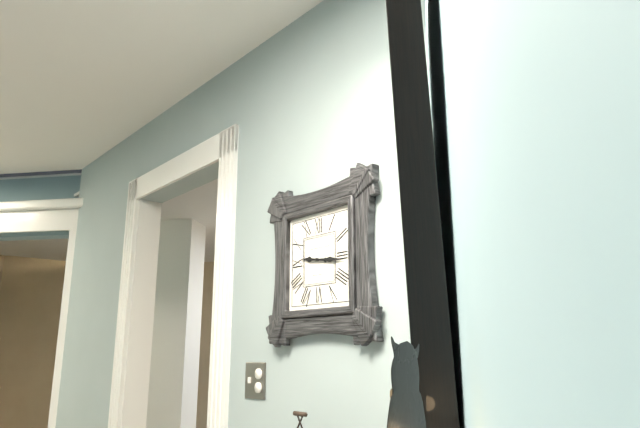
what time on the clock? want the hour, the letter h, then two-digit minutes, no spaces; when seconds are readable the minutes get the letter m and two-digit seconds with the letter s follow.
9h16
